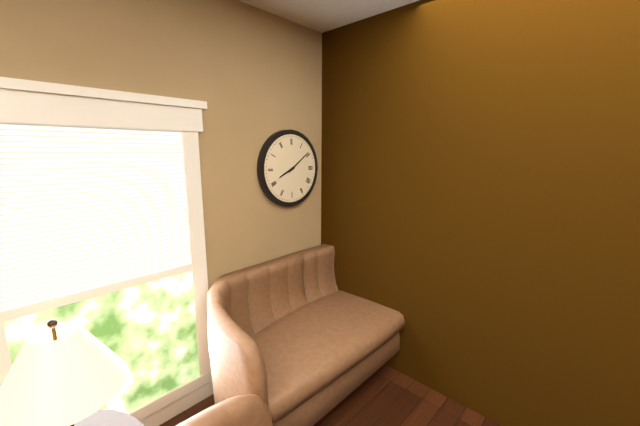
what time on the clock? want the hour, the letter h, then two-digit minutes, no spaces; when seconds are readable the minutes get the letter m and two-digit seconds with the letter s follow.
8h09
